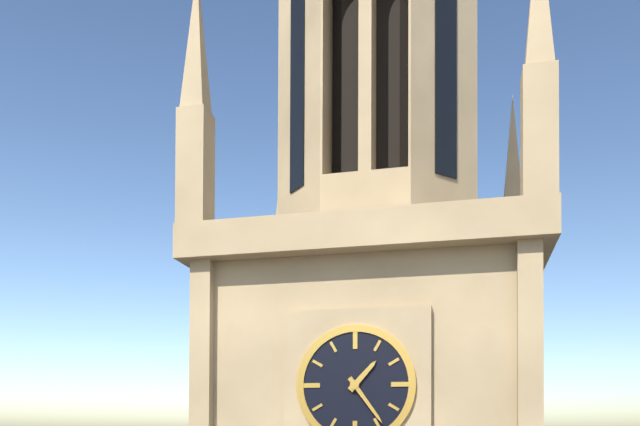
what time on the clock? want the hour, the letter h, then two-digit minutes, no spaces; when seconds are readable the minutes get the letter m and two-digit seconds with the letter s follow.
1h24
